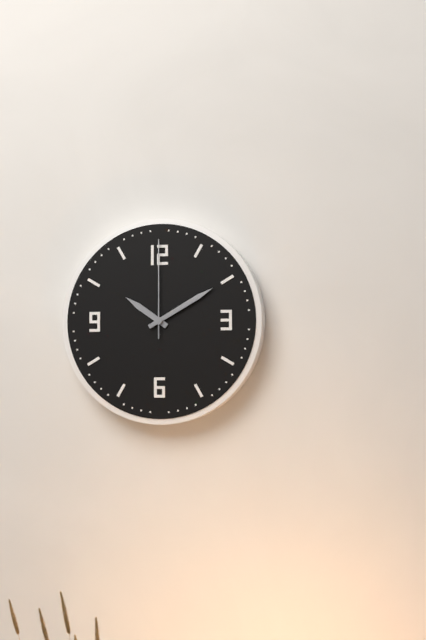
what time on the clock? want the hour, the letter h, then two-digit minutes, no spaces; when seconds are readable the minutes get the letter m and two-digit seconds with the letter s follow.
10h10m00s
